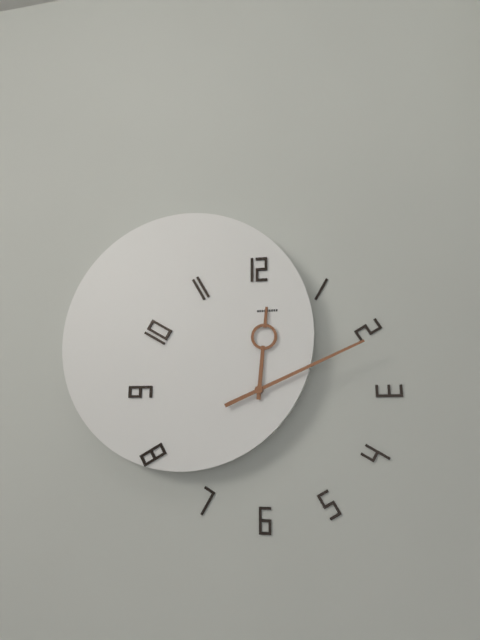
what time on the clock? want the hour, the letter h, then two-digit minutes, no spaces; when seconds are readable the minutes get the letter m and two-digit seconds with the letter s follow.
12h11
